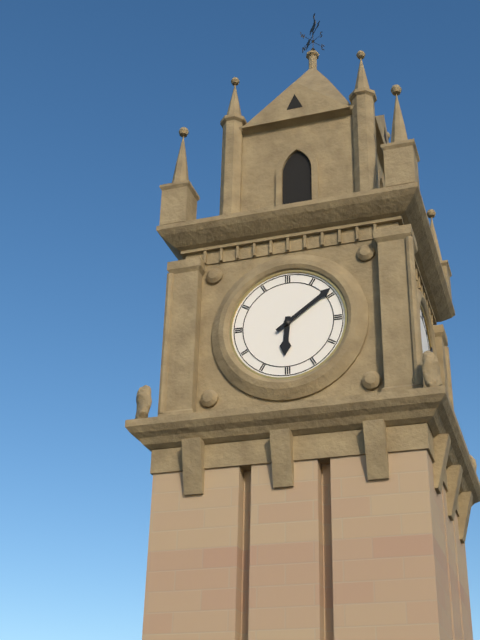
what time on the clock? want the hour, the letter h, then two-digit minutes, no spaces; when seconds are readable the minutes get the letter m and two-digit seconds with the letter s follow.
6h09
